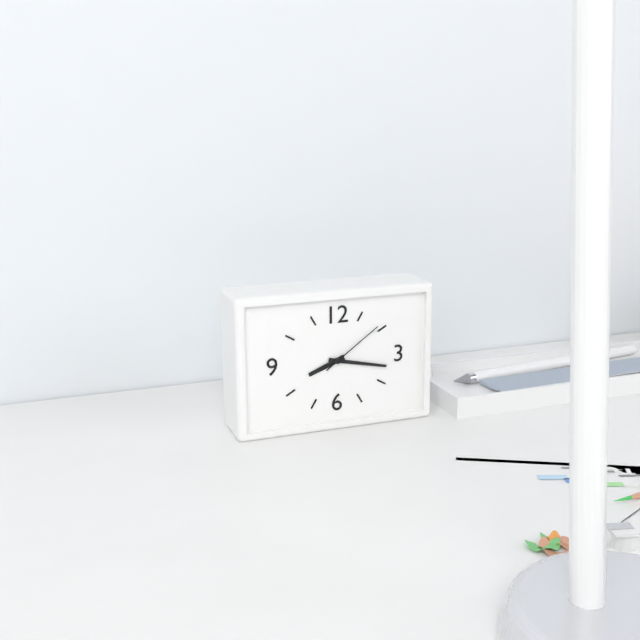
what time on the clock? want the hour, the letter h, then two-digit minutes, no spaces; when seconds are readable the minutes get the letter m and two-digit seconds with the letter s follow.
8h17m09s
